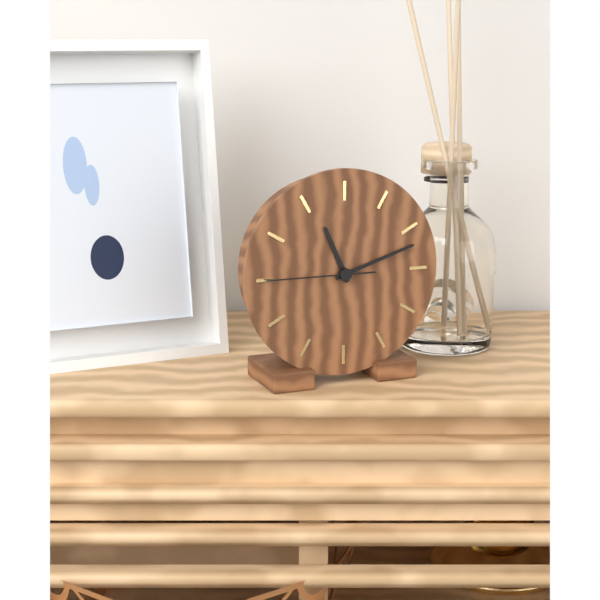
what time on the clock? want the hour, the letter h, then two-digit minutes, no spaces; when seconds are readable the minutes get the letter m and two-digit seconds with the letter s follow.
11h12m45s
